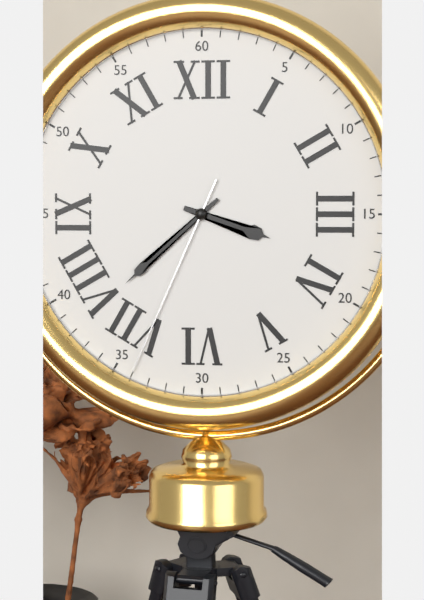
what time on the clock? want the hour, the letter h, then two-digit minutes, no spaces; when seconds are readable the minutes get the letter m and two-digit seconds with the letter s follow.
3h38m34s
